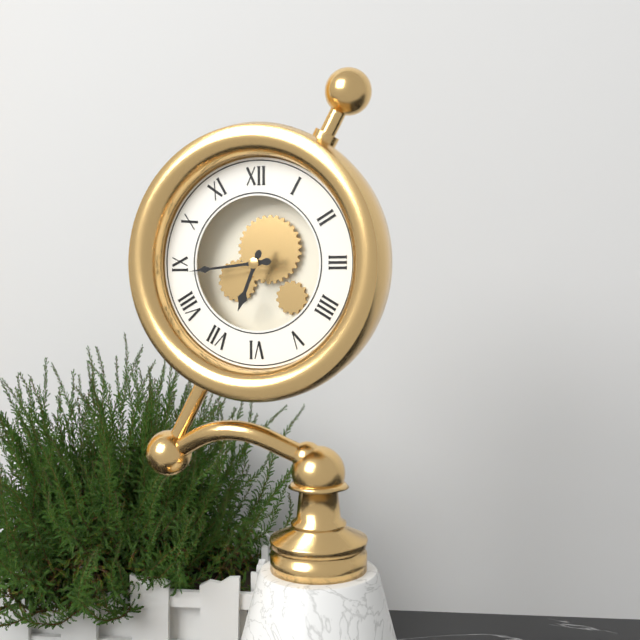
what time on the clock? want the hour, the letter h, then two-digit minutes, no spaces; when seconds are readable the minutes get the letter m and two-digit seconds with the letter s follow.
6h44
